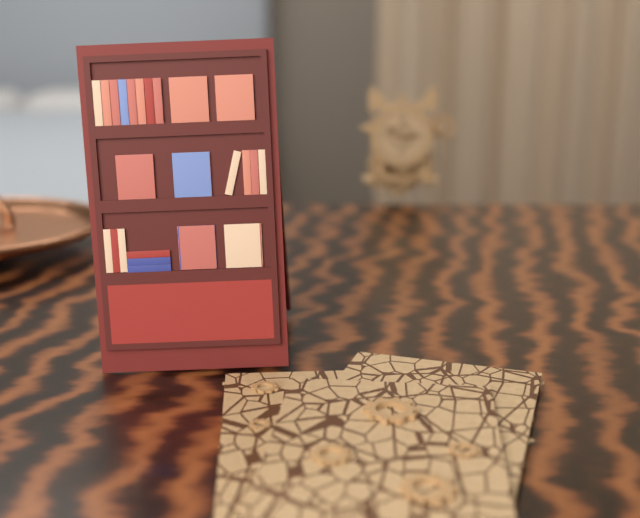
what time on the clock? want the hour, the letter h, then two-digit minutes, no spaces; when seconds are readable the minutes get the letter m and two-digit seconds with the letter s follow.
2h50
